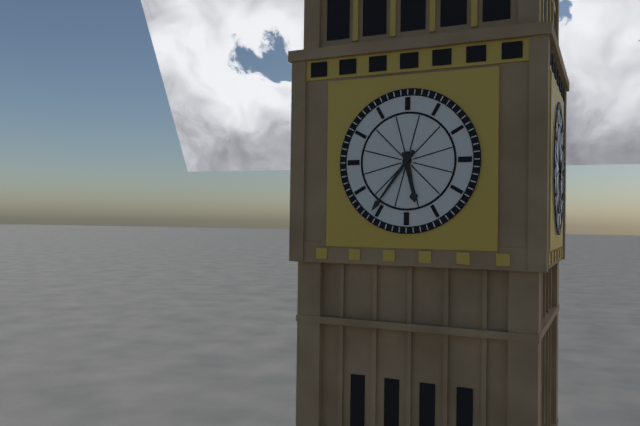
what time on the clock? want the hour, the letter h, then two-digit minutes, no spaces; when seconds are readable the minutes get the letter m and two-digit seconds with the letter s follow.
5h36
